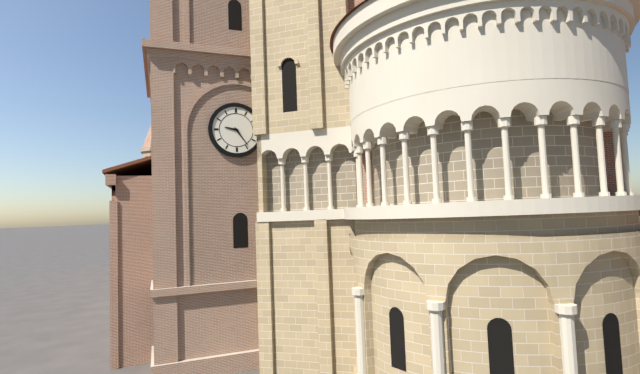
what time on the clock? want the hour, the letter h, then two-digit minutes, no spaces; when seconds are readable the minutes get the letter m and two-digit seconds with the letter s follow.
9h24
